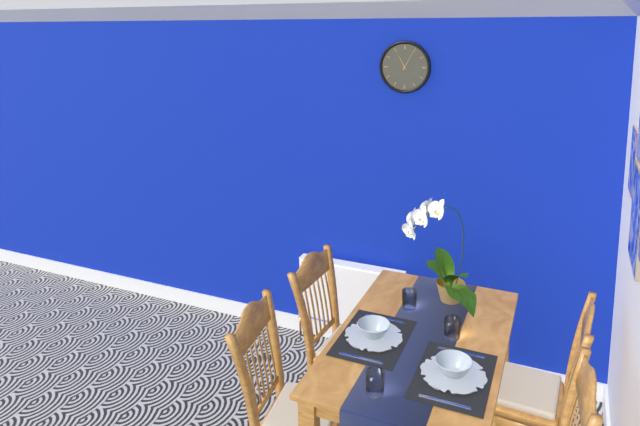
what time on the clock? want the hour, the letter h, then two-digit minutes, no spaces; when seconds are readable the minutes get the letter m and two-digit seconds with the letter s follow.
11h05
